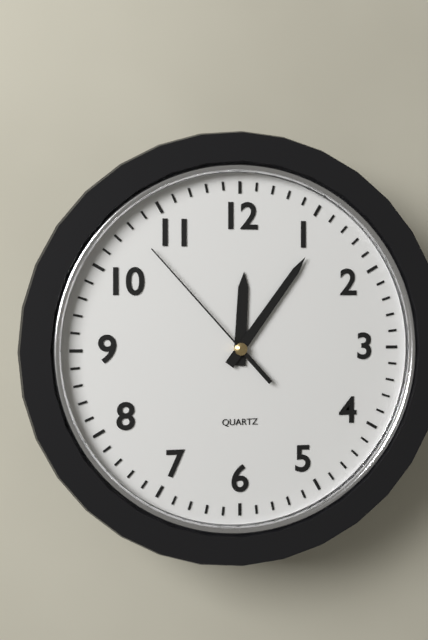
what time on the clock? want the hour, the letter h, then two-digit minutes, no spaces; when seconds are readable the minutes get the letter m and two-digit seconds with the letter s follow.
12h06m53s
